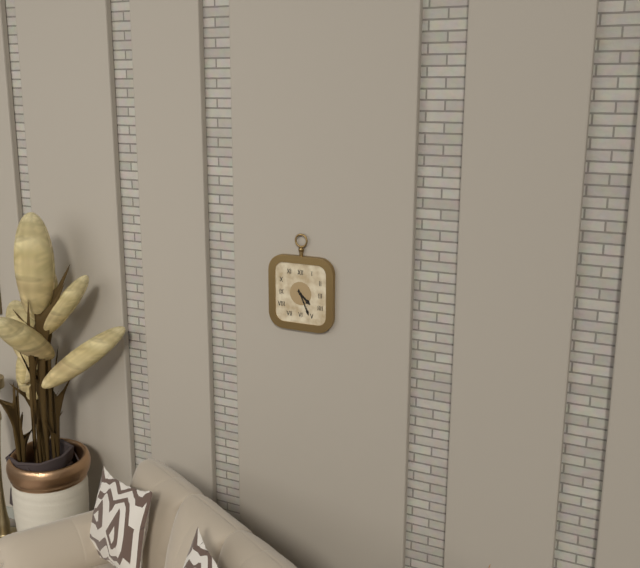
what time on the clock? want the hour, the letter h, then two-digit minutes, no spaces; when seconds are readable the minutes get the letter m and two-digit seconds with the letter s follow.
4h26
